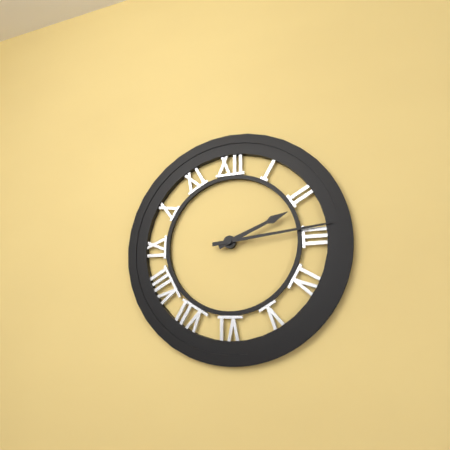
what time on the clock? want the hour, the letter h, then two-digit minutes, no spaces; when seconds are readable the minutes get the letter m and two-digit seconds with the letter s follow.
2h14
